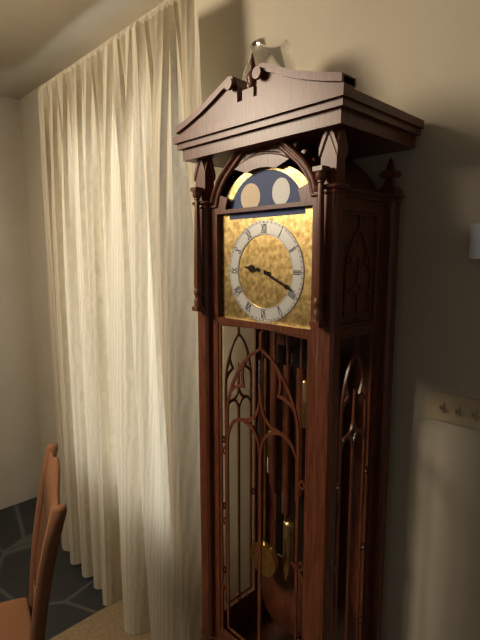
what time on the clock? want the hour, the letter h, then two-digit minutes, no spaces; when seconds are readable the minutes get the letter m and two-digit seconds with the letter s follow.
9h19
